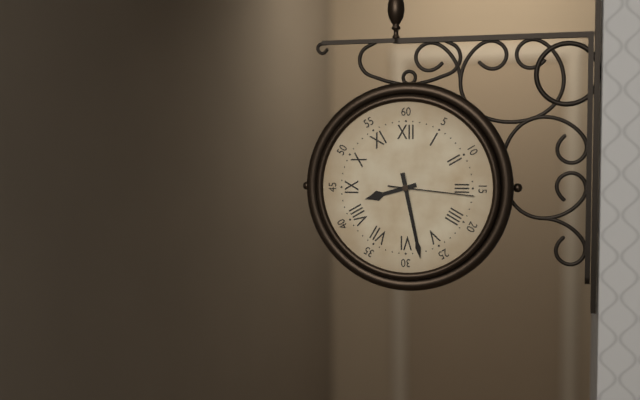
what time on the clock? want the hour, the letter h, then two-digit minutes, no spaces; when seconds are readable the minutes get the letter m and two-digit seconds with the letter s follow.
8h28m16s
